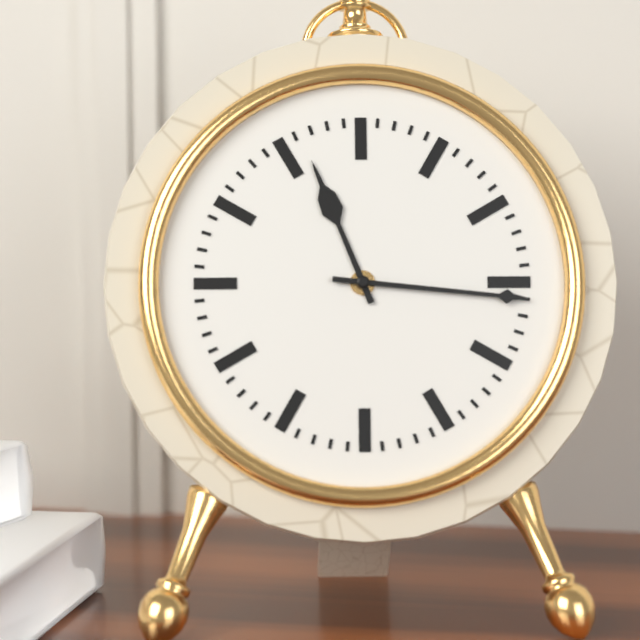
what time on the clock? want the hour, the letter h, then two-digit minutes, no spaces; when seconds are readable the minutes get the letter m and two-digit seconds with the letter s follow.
11h16
